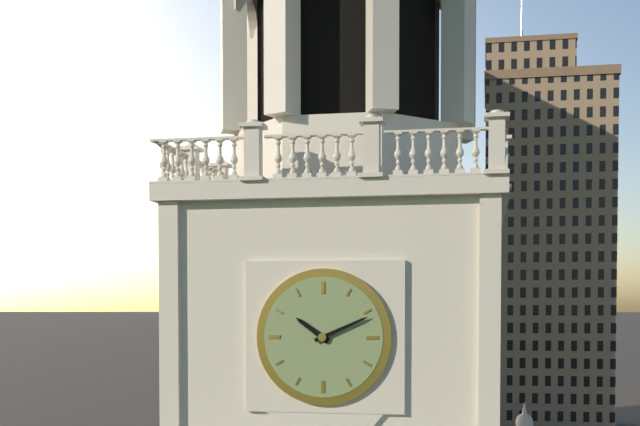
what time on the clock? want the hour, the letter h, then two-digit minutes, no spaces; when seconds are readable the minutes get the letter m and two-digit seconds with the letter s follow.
10h11
